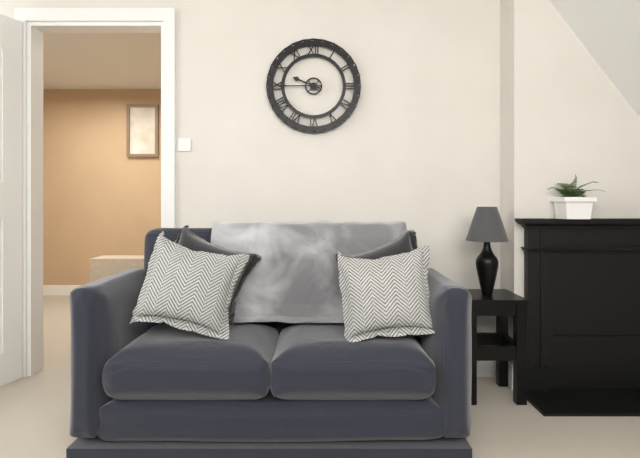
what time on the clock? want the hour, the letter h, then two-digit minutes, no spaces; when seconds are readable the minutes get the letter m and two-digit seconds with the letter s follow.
9h45
